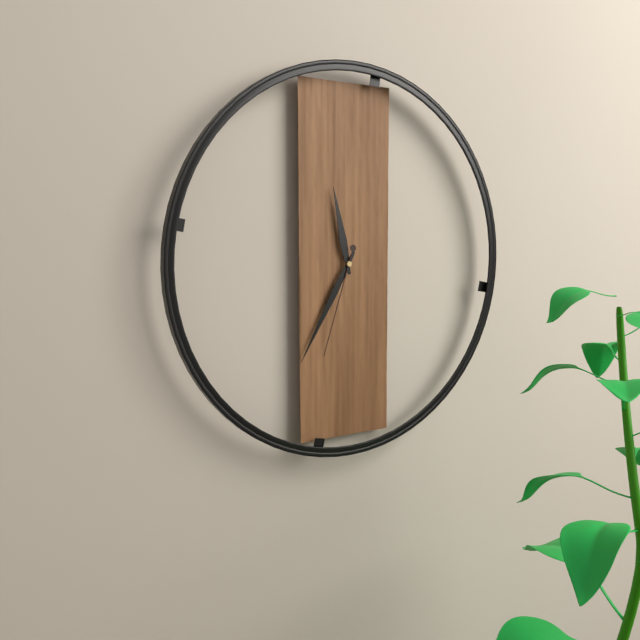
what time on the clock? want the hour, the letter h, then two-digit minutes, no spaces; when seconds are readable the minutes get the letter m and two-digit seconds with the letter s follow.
11h35m33s
